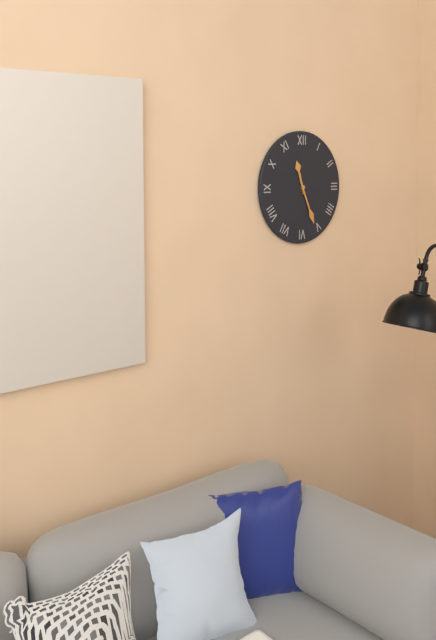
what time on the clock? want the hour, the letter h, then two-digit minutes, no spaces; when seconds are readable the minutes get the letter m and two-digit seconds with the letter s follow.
11h26
